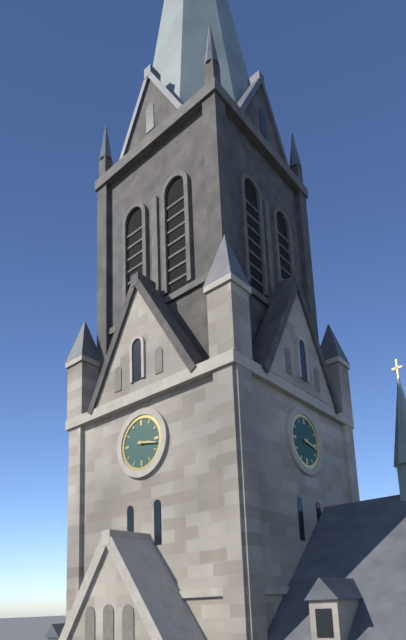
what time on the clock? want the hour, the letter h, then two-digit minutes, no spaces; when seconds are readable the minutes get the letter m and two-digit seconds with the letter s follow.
3h17
